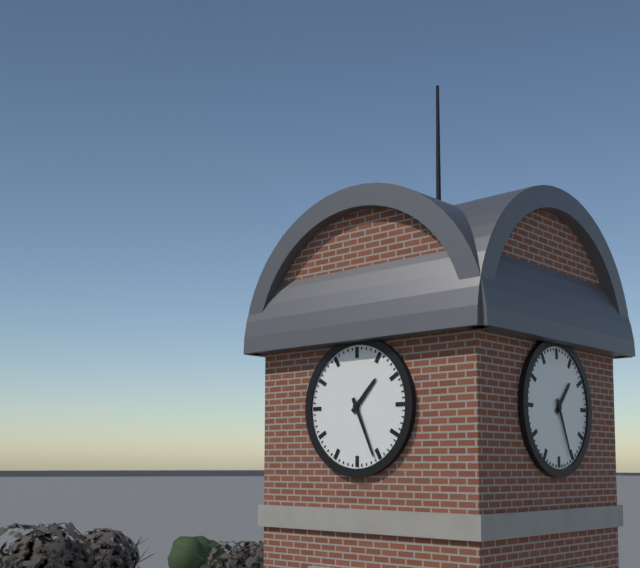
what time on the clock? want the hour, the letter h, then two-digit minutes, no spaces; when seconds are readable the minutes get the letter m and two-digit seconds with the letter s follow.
1h26
